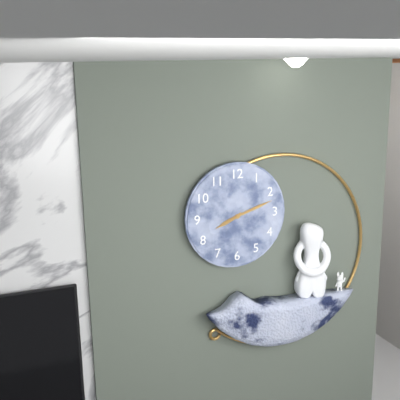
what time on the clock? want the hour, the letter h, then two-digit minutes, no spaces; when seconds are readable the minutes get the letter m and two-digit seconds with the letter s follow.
8h12
